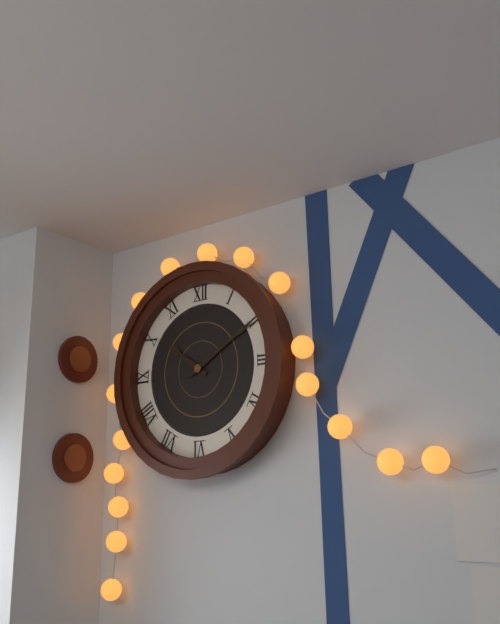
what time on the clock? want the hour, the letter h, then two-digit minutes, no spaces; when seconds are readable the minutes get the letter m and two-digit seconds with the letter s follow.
10h10
